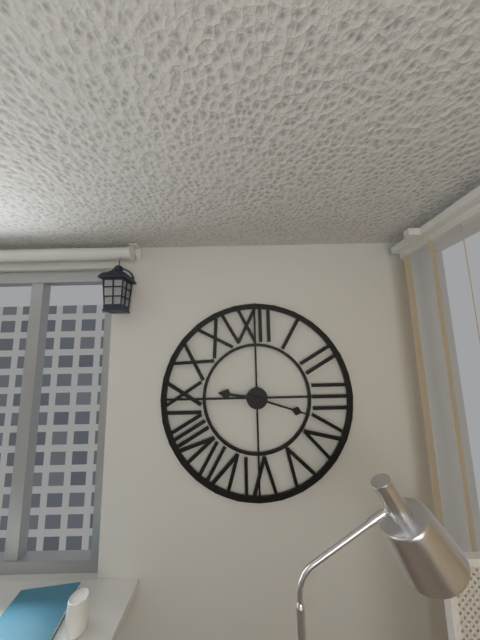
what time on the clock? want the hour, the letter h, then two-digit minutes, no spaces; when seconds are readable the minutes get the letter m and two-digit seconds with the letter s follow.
9h18
